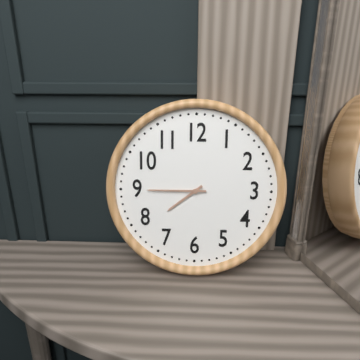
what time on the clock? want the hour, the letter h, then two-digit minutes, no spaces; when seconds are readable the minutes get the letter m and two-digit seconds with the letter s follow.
7h45
